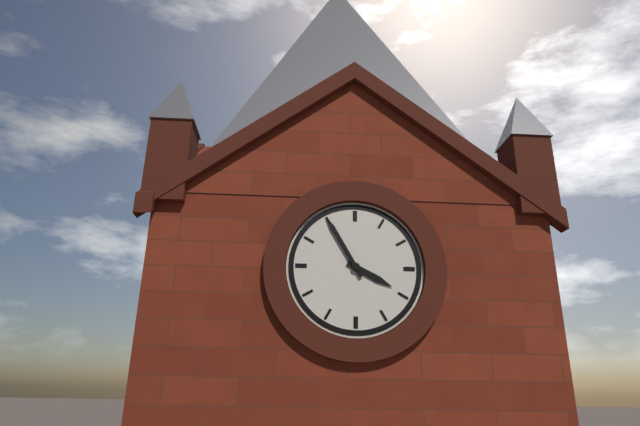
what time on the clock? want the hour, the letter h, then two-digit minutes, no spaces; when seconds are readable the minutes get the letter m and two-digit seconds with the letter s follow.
3h55
